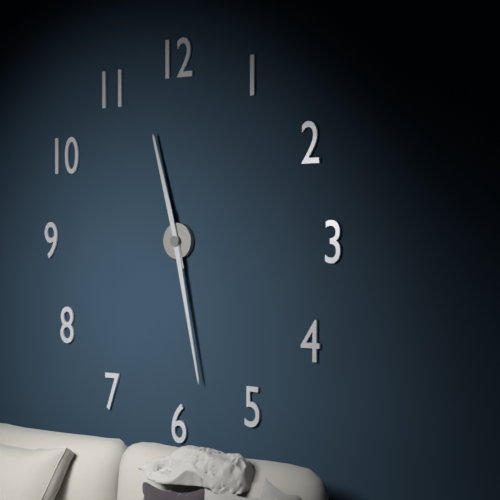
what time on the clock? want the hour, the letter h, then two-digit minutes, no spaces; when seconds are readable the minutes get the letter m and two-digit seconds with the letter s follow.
11h28
